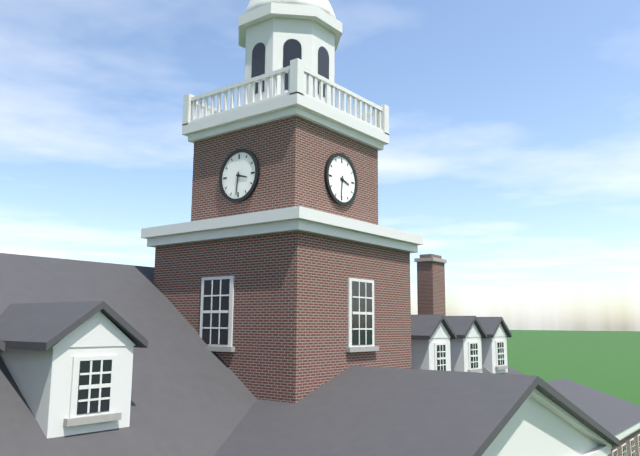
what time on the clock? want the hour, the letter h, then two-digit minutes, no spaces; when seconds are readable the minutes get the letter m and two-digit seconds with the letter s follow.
3h31
